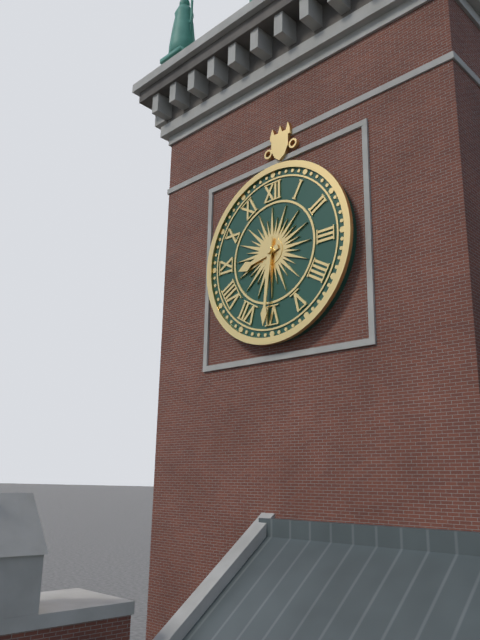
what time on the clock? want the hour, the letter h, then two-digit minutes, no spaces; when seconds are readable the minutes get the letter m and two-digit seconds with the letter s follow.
8h31
